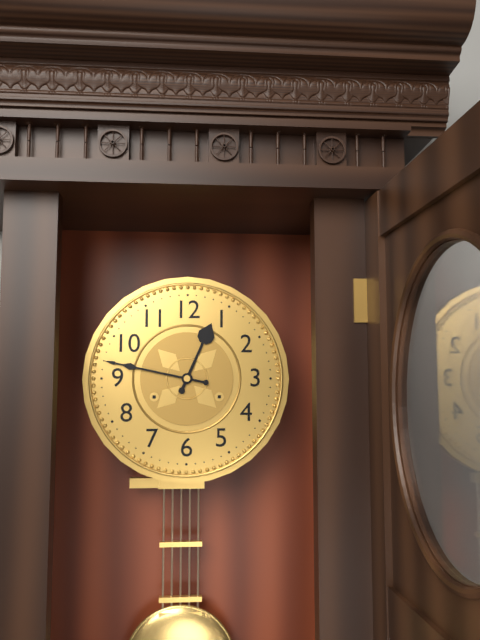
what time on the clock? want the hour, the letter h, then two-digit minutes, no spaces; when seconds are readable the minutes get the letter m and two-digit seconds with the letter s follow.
12h47
